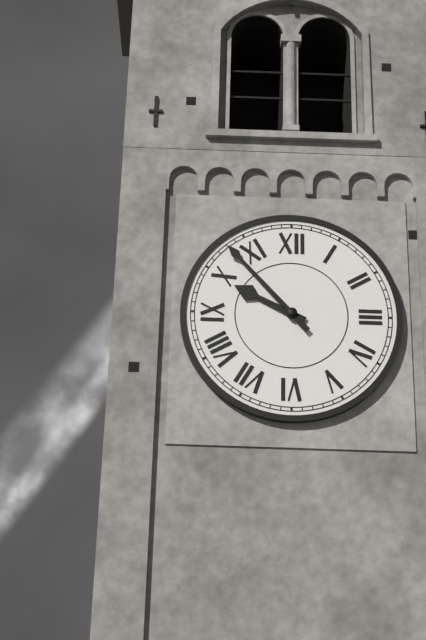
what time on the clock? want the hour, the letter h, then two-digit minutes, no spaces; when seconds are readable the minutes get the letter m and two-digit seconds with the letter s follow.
9h53
